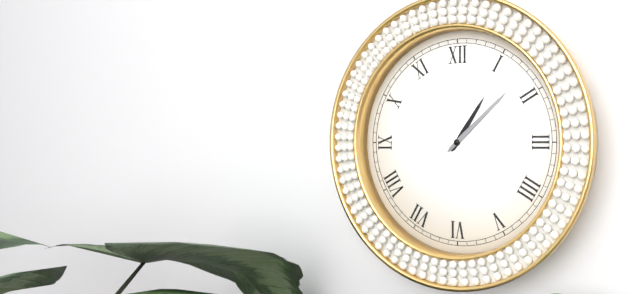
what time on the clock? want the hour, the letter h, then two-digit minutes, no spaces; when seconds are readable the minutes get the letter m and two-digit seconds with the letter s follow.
1h08
